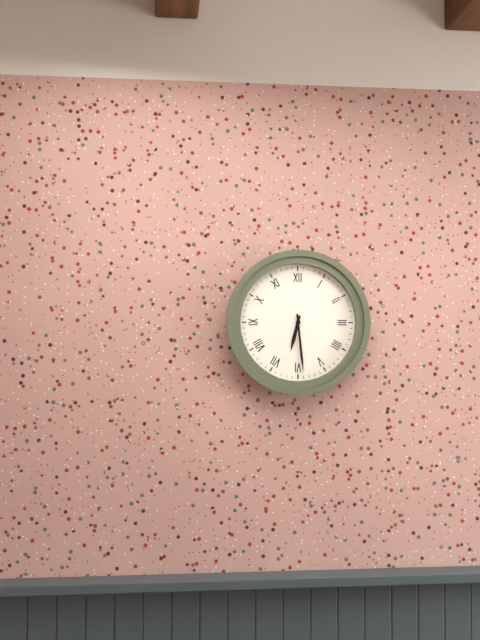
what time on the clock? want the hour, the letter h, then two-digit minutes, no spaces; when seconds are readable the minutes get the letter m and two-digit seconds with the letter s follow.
6h29
